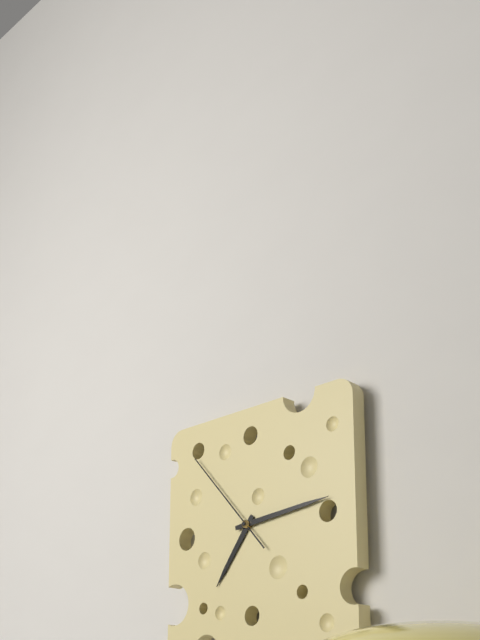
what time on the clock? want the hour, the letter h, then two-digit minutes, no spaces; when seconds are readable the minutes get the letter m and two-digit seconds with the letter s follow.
7h14m53s
